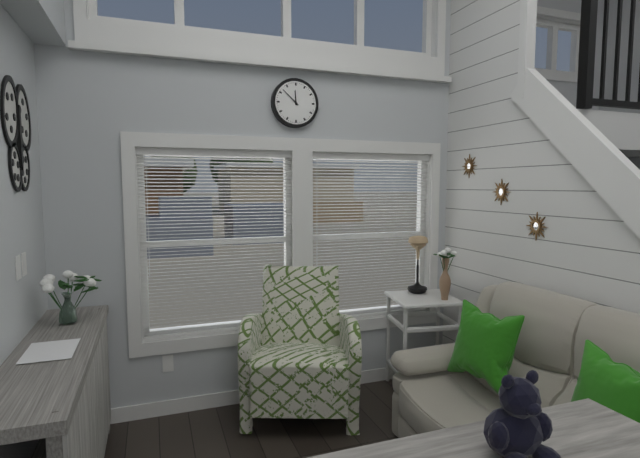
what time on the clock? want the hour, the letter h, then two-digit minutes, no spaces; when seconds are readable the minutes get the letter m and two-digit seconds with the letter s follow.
11h52
